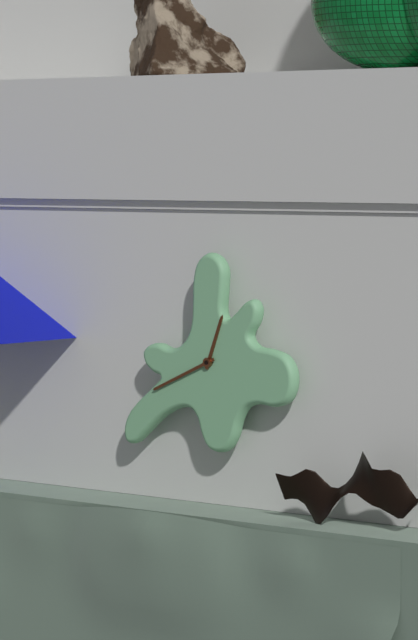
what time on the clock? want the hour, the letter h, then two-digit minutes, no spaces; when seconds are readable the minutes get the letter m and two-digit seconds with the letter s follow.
12h41
